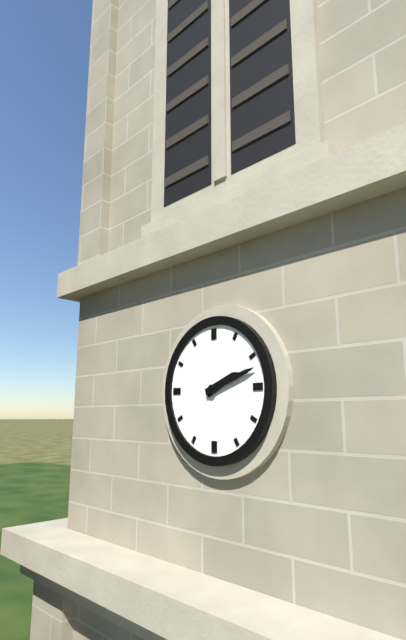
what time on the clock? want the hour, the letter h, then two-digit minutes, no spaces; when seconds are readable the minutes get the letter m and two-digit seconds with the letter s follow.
2h12
